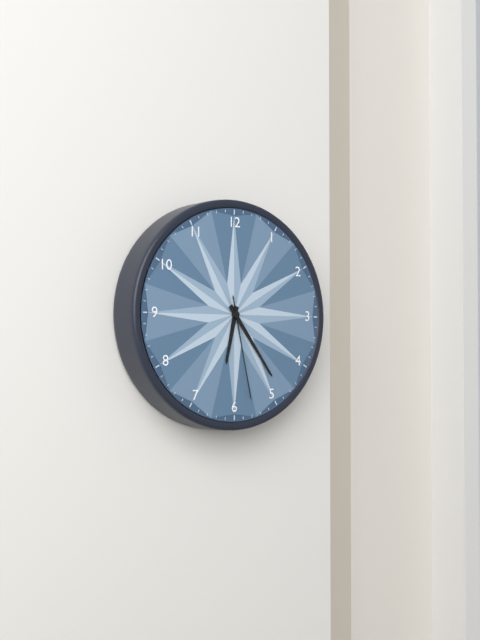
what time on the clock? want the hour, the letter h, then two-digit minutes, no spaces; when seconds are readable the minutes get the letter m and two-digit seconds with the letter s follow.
6h24m28s
